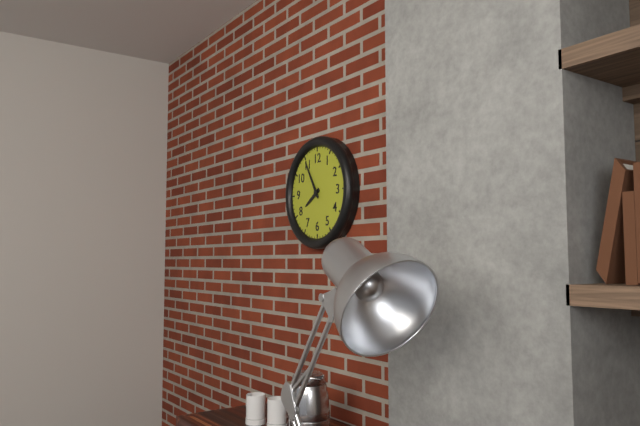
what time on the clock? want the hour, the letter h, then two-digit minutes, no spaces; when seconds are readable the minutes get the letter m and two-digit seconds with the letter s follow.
7h55
